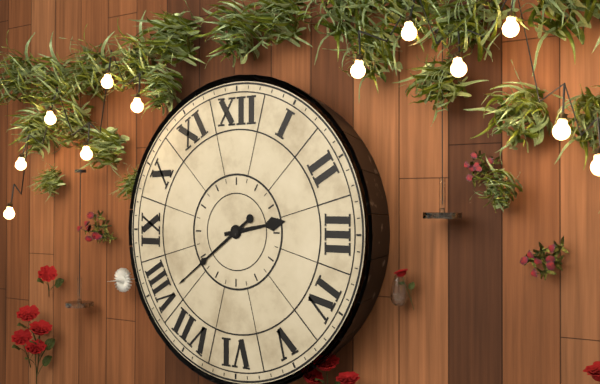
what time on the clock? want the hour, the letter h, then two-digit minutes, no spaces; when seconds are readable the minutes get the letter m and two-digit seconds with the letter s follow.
2h39
